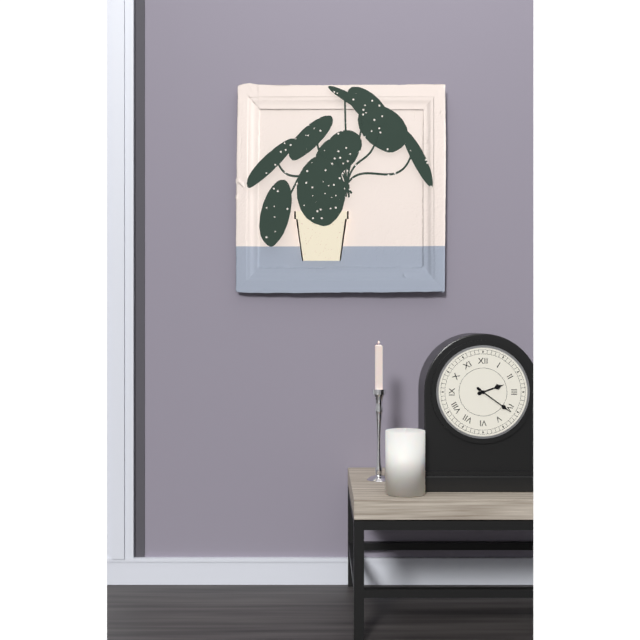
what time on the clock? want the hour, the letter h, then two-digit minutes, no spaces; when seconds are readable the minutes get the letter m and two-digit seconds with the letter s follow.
2h21
